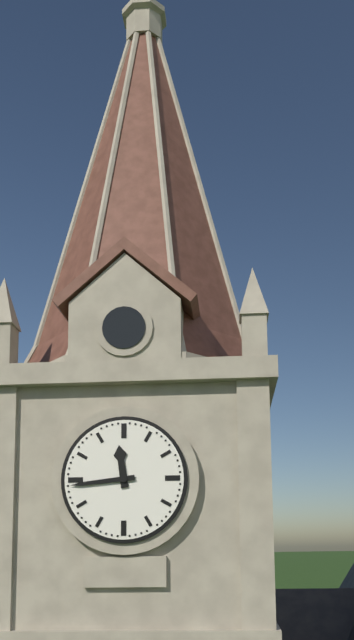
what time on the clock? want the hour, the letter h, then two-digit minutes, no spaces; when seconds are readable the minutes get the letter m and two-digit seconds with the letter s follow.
11h44
